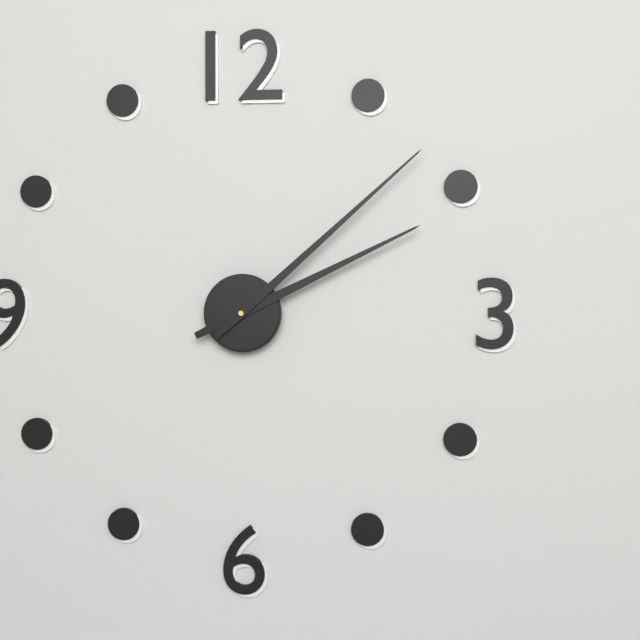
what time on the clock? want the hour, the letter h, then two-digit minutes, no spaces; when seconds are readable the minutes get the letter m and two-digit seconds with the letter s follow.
2h08
